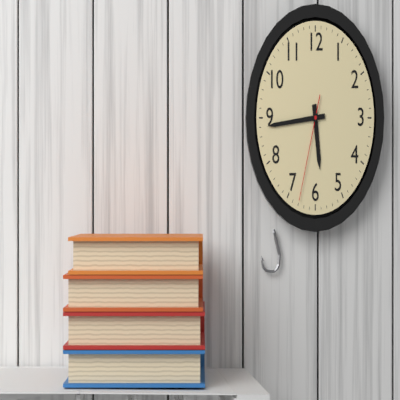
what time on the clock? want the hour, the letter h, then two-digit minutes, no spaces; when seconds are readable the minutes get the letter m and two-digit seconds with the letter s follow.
5h44m33s
